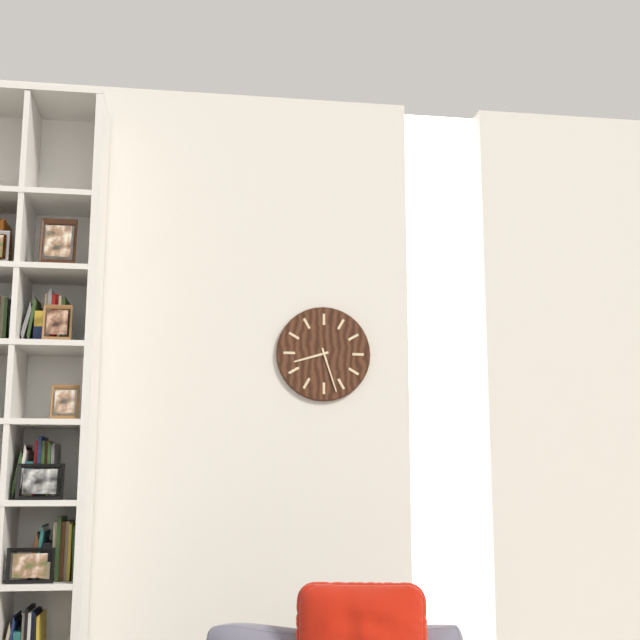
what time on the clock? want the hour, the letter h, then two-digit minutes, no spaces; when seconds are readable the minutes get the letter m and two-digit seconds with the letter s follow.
8h27
